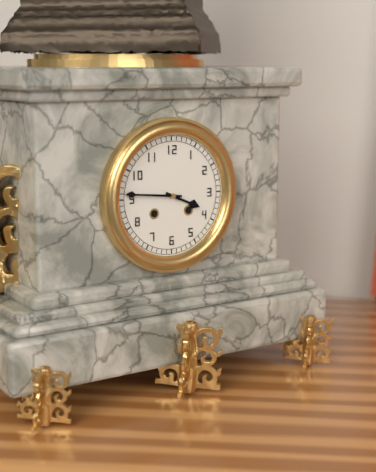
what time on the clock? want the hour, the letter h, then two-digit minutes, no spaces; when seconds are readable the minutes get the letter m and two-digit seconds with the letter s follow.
3h46
